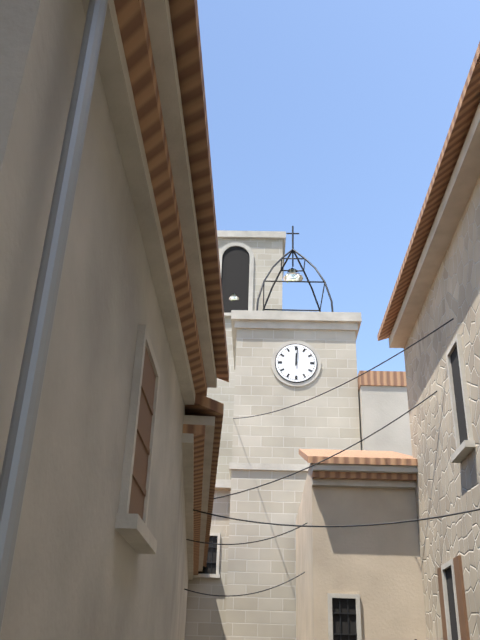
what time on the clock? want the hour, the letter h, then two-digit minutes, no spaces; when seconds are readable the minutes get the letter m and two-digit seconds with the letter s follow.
12h01
